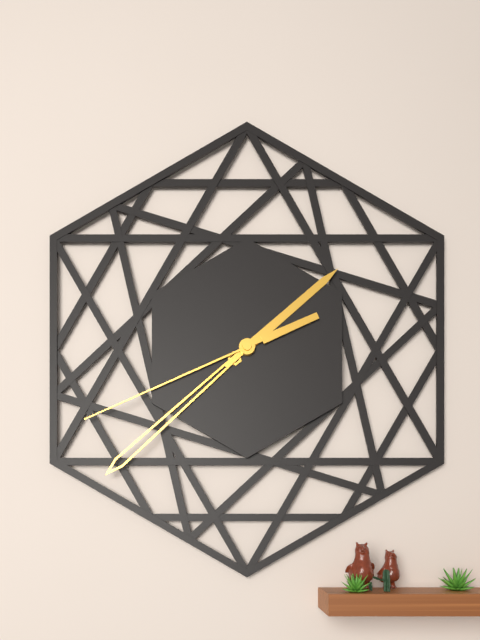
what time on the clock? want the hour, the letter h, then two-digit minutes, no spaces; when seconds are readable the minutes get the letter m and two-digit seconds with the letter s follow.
1h38m41s
